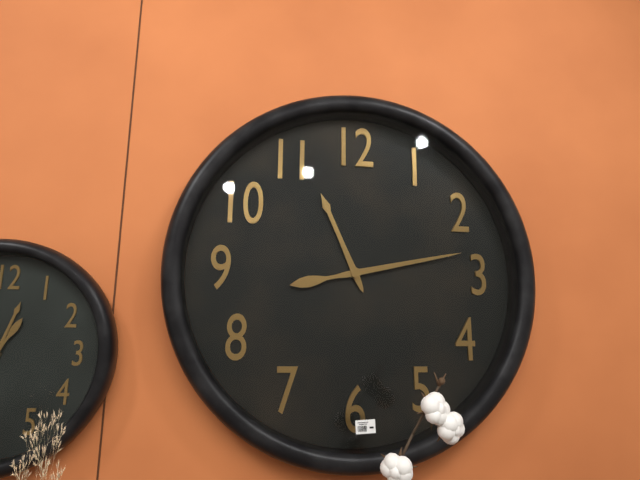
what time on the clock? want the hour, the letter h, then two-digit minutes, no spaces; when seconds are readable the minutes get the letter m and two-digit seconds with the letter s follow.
11h13
